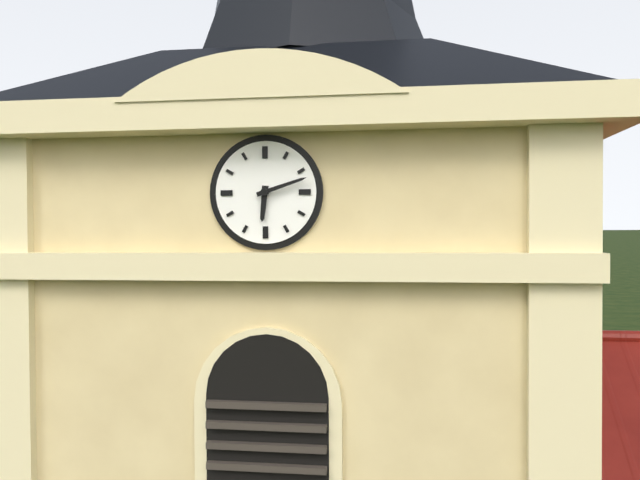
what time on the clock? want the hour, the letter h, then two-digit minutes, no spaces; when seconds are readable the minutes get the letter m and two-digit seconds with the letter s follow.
6h12
